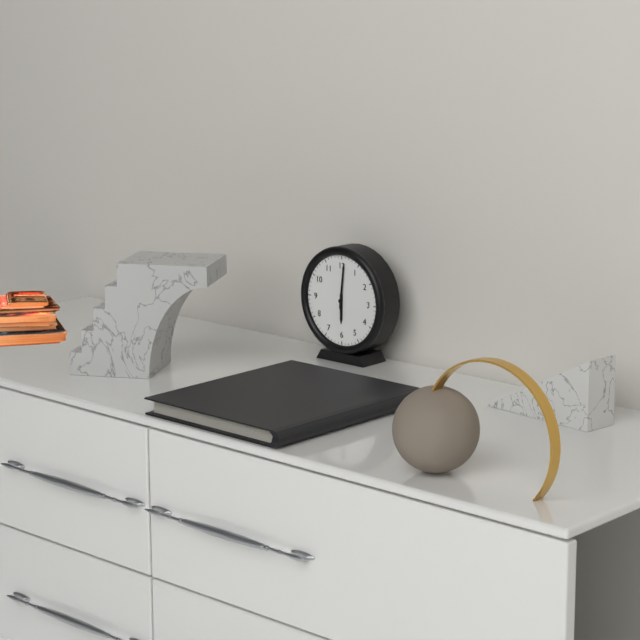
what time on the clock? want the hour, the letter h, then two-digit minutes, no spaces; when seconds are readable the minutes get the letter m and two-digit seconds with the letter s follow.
6h01
